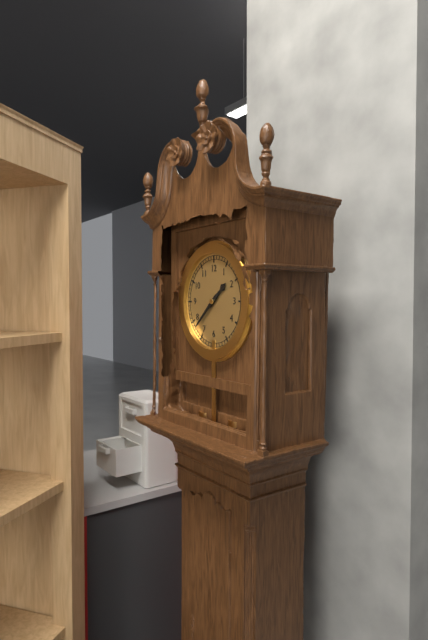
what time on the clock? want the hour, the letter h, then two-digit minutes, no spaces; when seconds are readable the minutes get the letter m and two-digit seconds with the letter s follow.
1h38
